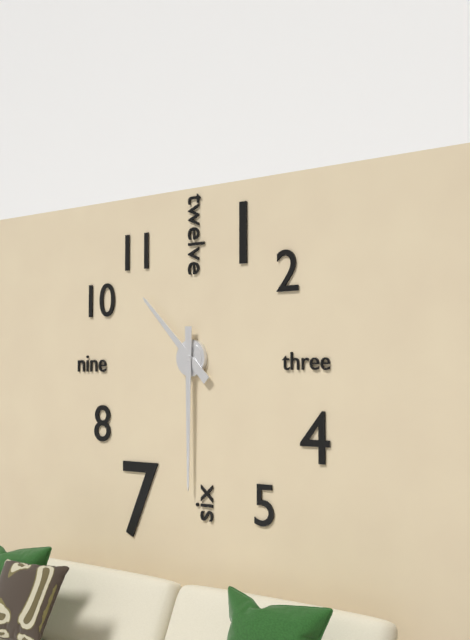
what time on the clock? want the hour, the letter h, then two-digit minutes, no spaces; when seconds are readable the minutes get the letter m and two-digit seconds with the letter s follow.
10h30
